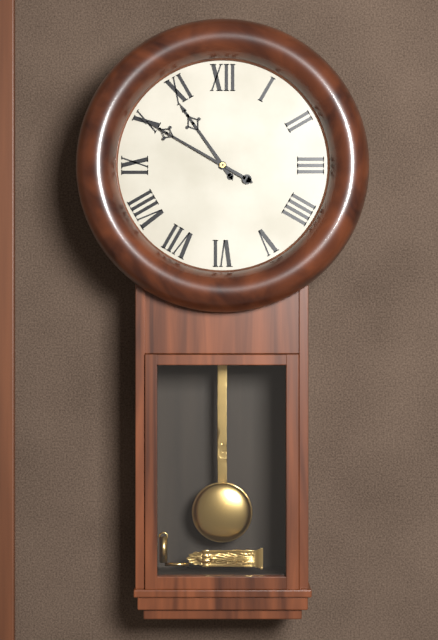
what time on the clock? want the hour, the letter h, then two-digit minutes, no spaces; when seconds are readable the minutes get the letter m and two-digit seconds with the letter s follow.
10h50
